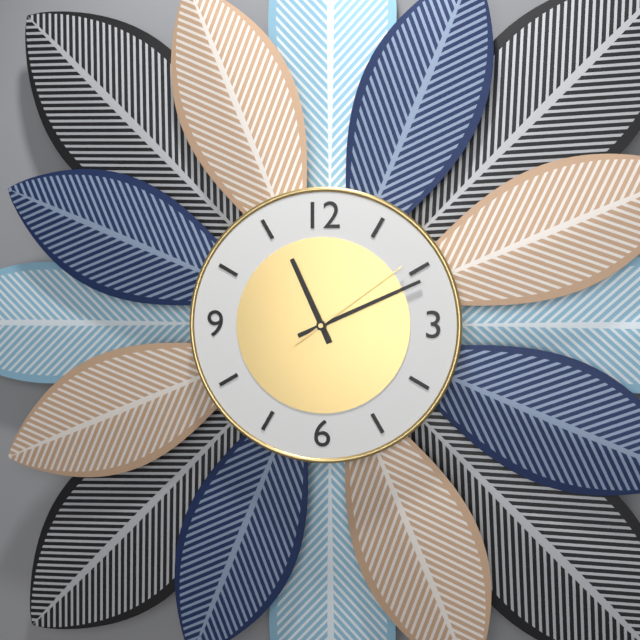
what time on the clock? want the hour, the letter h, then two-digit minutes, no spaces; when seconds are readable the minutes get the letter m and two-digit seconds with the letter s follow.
11h11m09s
